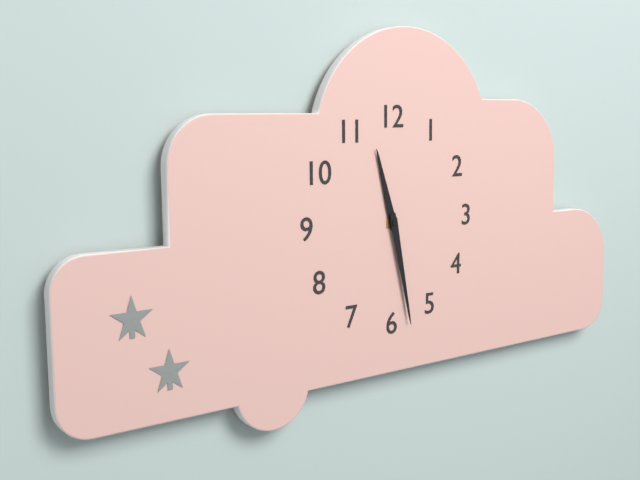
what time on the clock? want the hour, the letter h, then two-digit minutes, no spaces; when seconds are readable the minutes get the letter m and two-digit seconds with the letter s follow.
11h28
